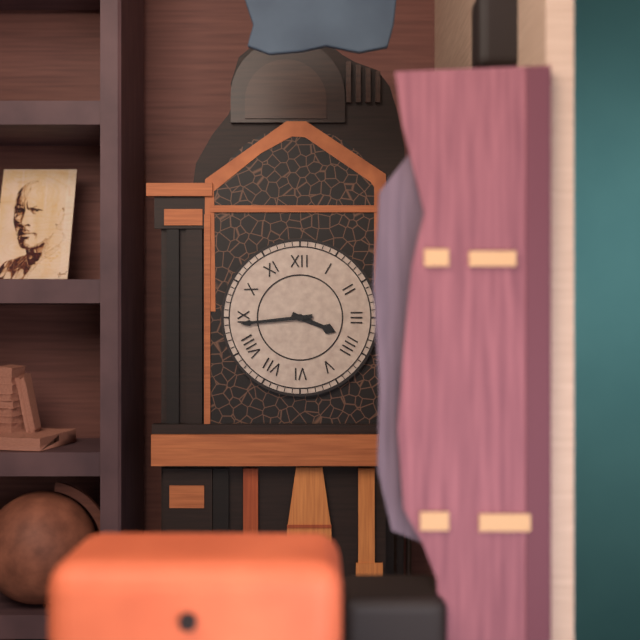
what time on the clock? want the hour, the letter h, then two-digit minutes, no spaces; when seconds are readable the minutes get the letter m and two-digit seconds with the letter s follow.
3h44
